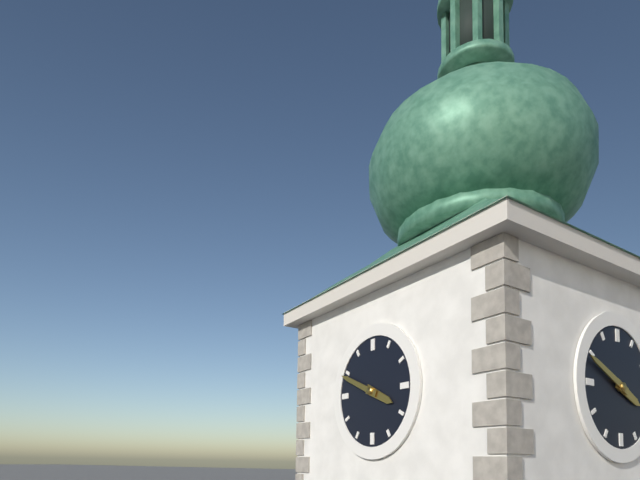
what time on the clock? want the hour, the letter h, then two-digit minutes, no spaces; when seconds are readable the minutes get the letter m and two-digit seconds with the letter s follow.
3h49
